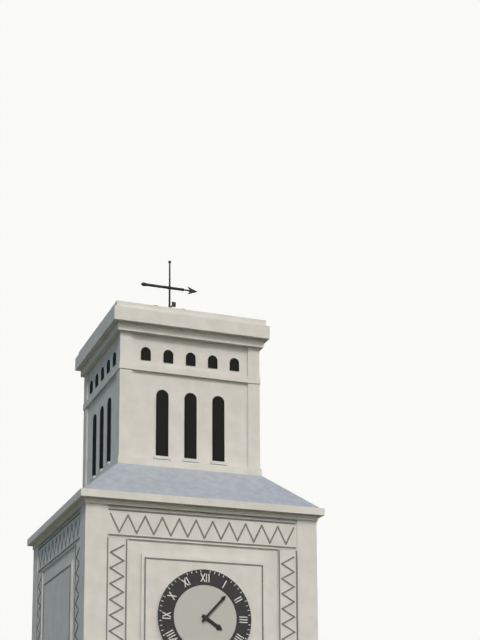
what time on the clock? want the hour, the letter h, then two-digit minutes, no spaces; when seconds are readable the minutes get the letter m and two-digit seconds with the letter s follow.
4h07
